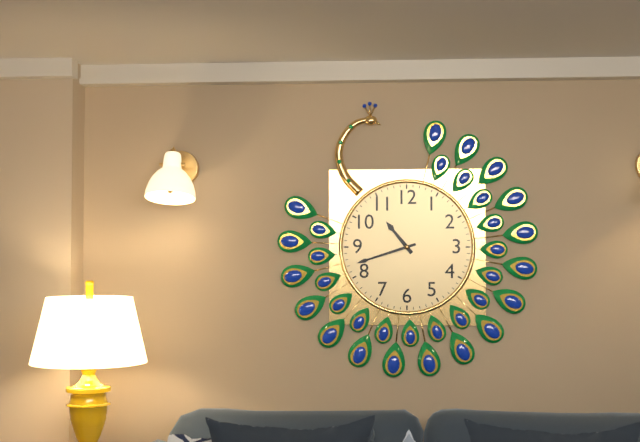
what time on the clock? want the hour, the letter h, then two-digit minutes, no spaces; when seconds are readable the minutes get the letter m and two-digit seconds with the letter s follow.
10h42
